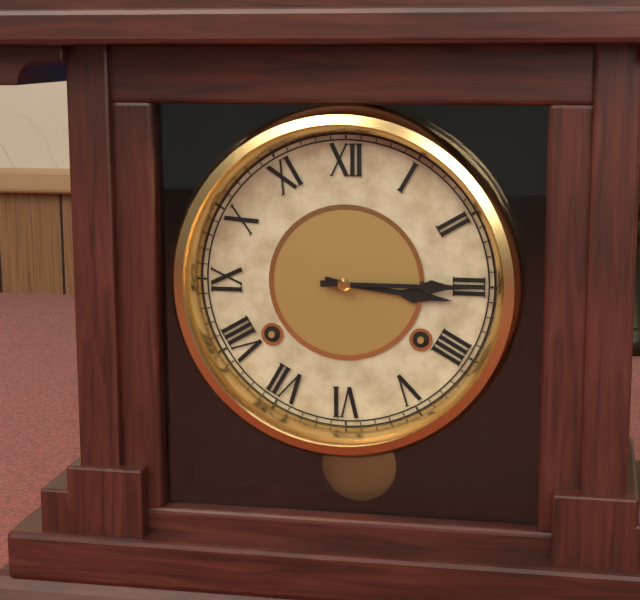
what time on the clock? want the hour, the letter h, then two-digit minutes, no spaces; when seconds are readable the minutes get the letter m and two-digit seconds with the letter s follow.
3h15
